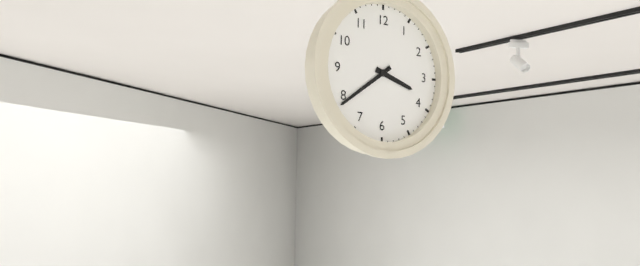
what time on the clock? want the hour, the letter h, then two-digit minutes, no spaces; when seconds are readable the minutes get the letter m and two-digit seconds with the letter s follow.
3h39
